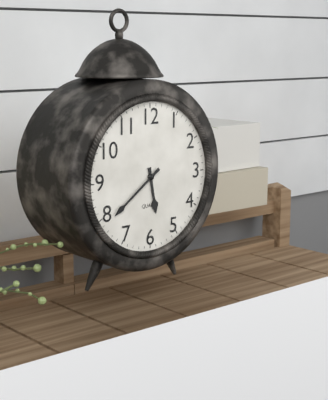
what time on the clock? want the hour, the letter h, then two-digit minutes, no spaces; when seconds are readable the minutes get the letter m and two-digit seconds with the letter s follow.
5h39
